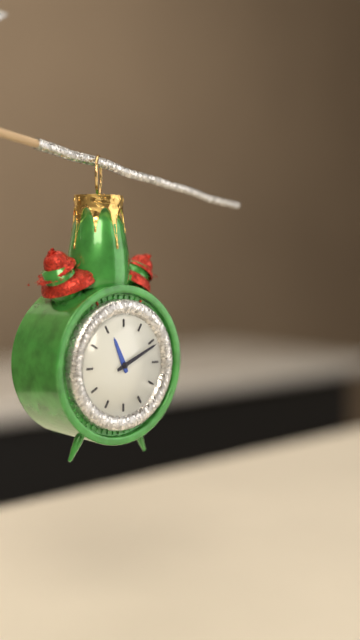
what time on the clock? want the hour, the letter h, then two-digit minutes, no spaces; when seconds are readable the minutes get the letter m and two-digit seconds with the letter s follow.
11h11
